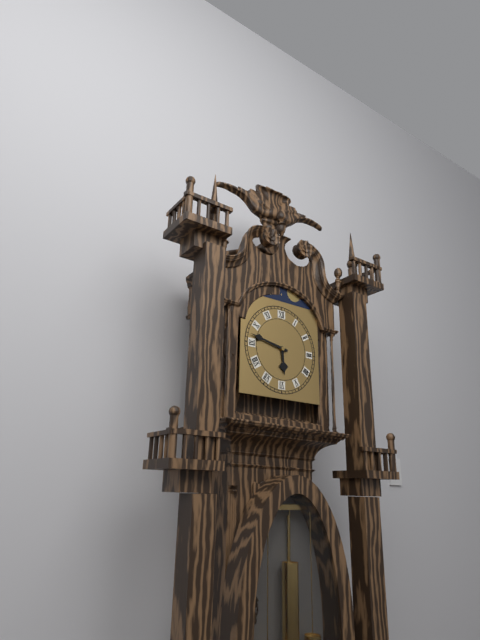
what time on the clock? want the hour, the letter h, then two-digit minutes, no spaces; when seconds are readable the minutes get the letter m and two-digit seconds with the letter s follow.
5h47
